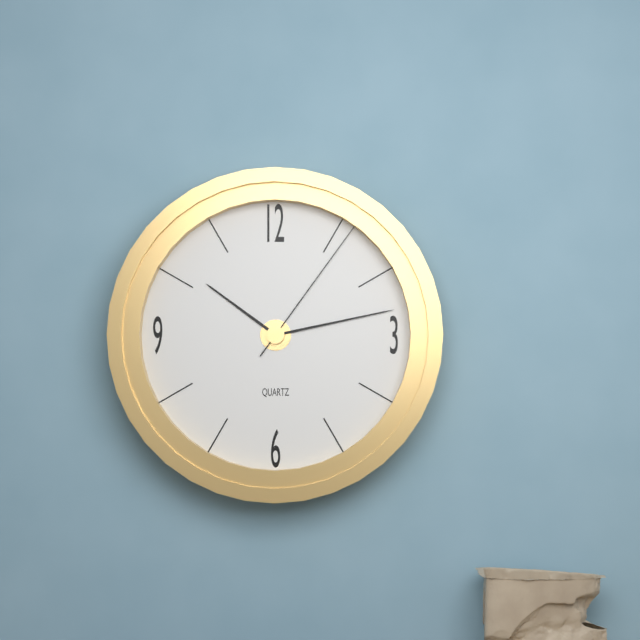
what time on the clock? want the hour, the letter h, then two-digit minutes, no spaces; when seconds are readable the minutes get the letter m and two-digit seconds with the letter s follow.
10h13m06s
